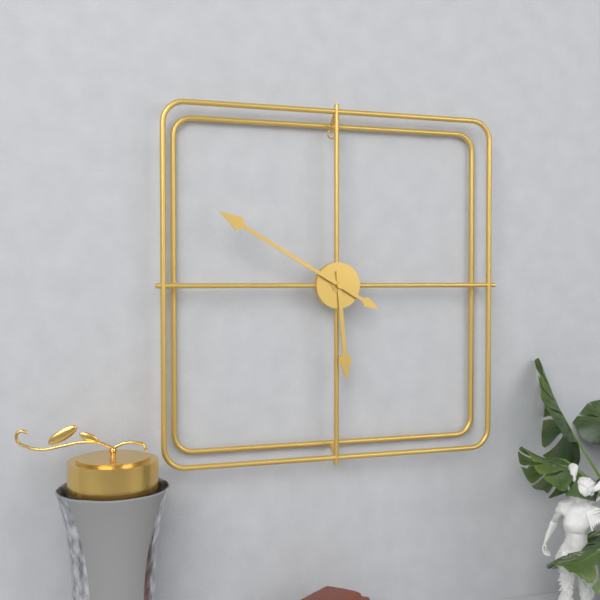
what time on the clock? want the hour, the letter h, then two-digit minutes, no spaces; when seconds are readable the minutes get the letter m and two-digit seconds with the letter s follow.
5h50
